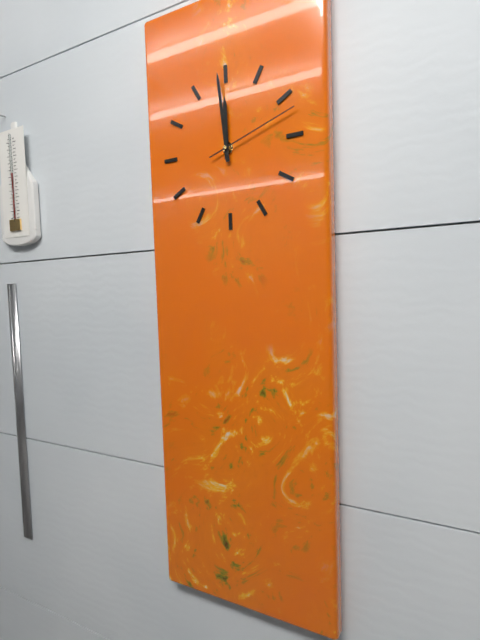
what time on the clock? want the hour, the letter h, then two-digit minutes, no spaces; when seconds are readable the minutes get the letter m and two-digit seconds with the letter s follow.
11h59m12s
